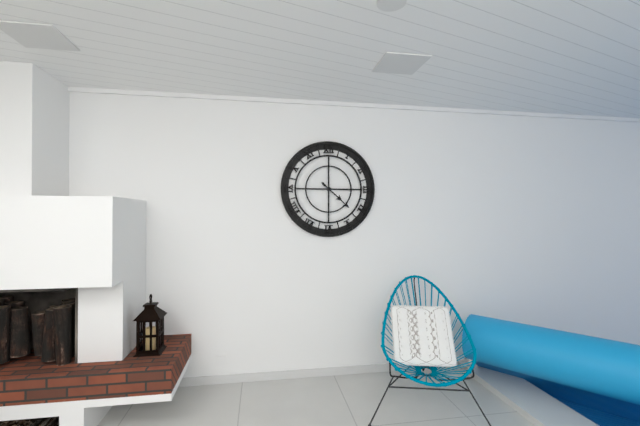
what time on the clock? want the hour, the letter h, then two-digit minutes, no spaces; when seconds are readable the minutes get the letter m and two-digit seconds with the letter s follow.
4h22
